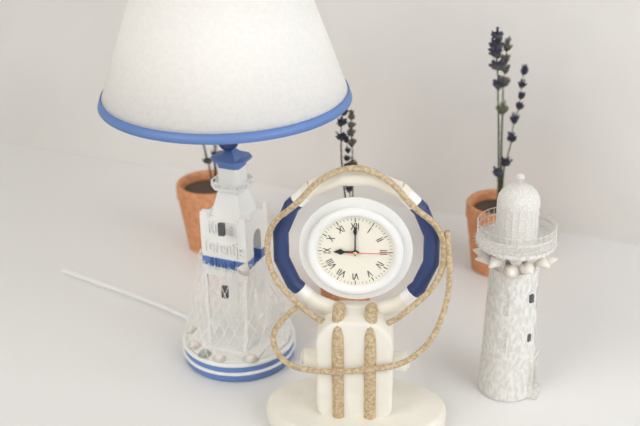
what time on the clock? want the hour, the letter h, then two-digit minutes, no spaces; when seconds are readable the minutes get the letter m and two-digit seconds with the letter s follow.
9h00
